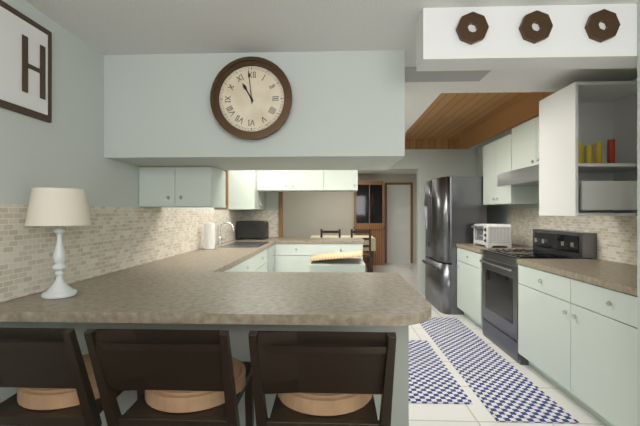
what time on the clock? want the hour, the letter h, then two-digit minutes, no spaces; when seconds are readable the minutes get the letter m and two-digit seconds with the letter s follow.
10h59
